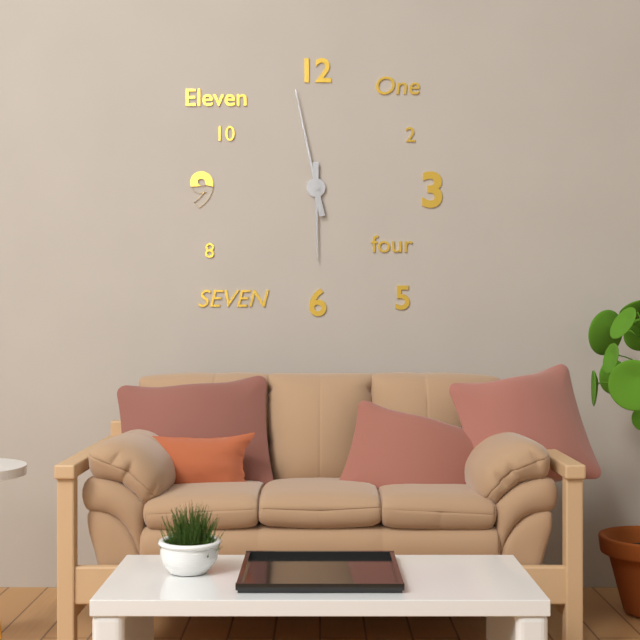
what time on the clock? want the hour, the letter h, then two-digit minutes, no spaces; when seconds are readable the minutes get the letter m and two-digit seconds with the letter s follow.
5h58
